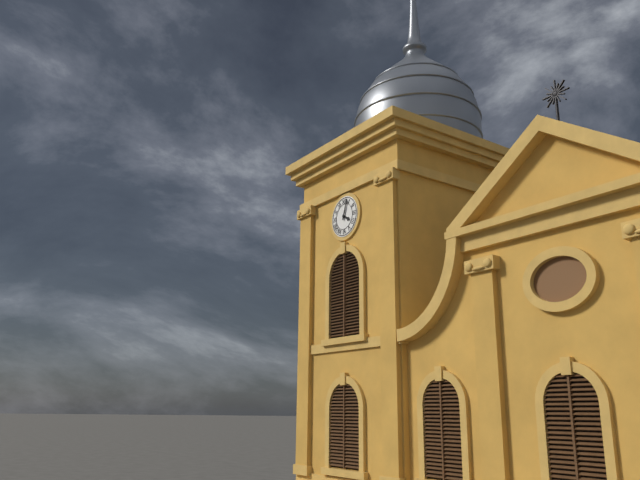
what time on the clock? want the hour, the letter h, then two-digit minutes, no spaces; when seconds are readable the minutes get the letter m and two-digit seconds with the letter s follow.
4h03
